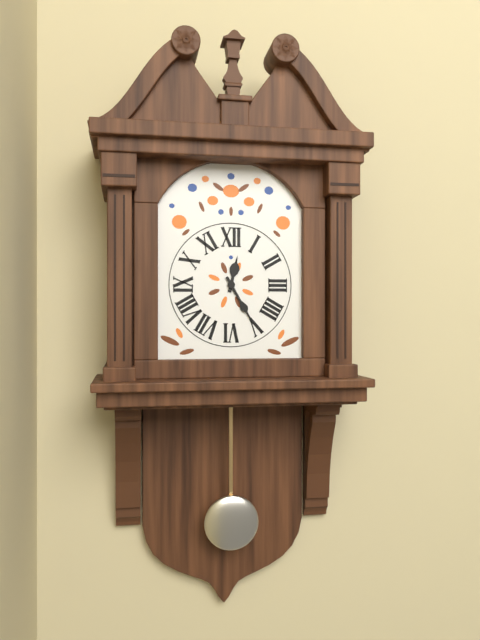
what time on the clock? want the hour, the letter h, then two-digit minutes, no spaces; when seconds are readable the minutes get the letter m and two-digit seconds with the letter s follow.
12h25
